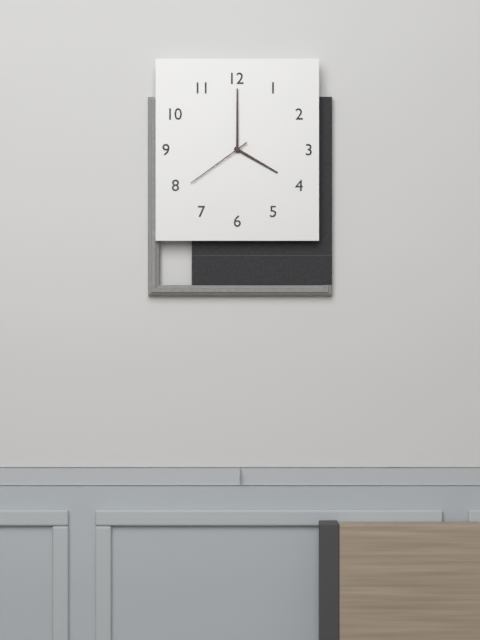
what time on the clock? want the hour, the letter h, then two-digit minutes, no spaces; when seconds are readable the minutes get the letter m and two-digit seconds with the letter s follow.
4h00m39s
